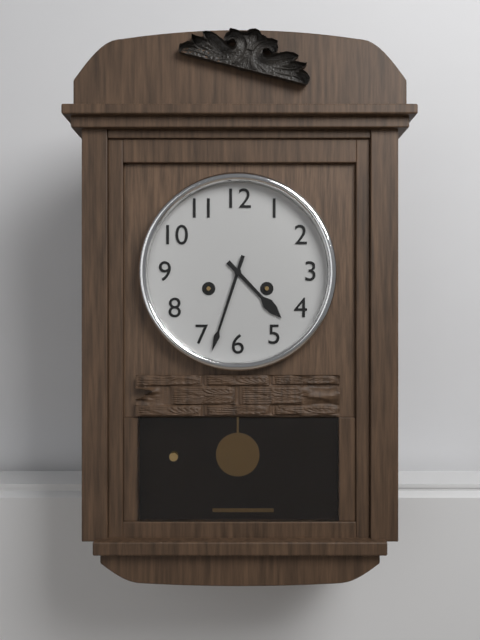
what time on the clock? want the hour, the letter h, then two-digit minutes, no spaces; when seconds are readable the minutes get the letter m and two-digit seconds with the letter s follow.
4h33
